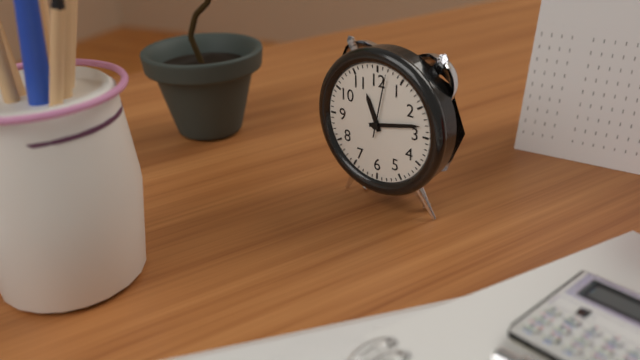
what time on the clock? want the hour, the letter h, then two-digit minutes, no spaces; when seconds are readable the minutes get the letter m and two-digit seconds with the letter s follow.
11h13m02s
